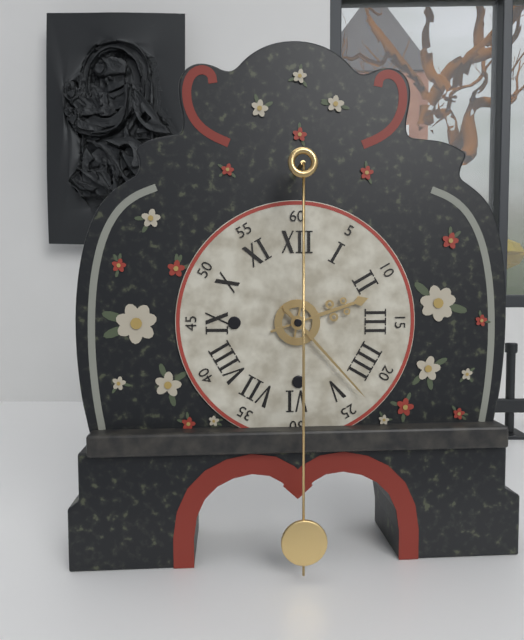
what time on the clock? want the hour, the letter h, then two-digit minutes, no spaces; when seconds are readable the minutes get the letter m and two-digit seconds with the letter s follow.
2h23
